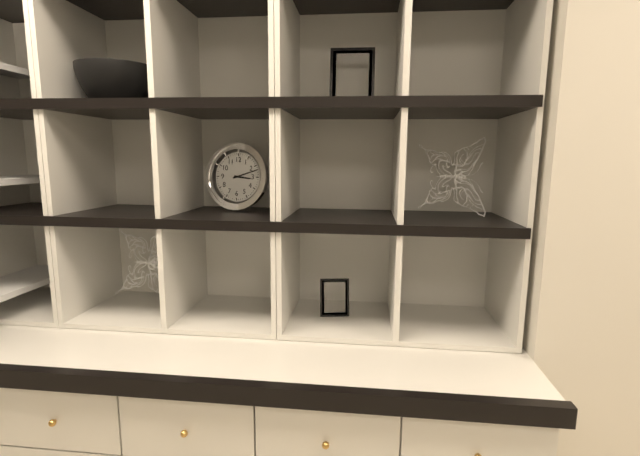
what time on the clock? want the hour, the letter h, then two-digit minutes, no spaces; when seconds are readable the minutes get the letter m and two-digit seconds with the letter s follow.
3h12
